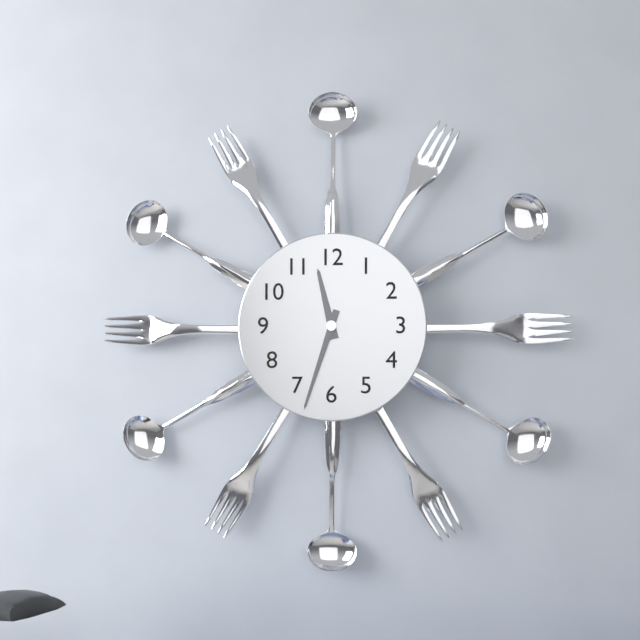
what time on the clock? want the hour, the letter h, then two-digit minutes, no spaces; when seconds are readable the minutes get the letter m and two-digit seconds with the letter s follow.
11h33
